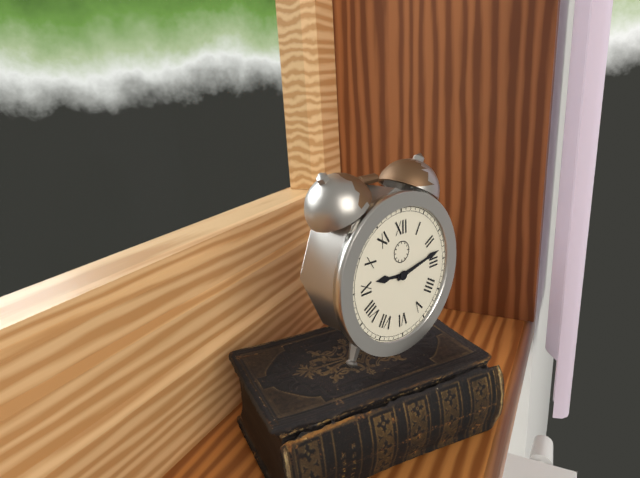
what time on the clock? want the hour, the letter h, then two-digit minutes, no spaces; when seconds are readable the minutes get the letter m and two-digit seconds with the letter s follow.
9h13
